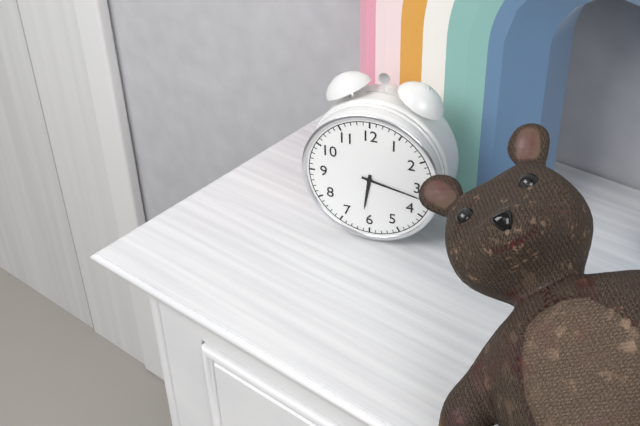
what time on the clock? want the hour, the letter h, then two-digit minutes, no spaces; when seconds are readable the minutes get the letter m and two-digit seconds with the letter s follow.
6h17
